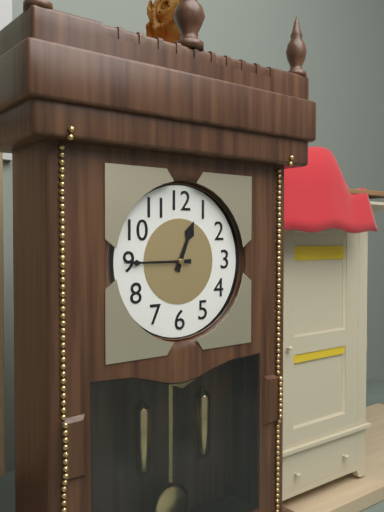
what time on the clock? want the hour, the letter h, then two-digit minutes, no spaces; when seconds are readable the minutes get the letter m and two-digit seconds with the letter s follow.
12h45
